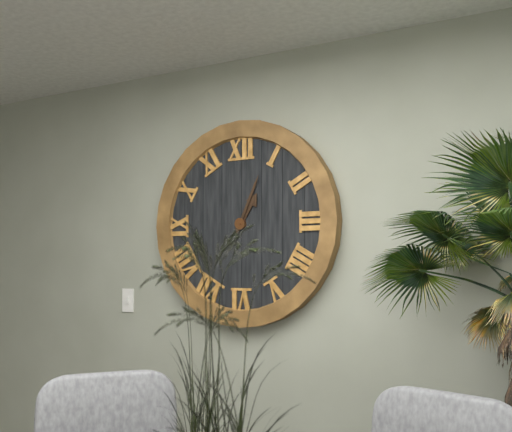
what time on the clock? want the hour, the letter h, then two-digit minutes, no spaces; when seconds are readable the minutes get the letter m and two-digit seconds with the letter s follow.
1h04
